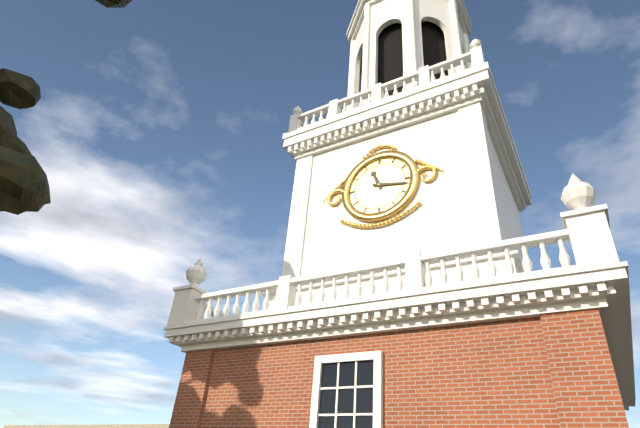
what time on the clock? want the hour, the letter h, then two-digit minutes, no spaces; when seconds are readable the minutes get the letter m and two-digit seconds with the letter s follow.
11h17
